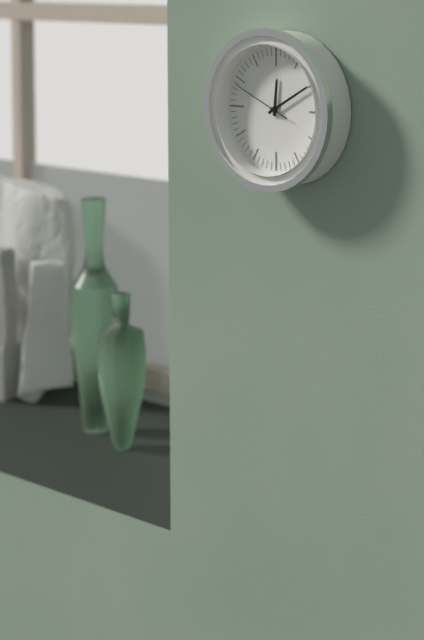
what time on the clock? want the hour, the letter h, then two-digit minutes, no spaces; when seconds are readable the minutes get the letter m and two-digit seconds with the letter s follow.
12h10m49s
